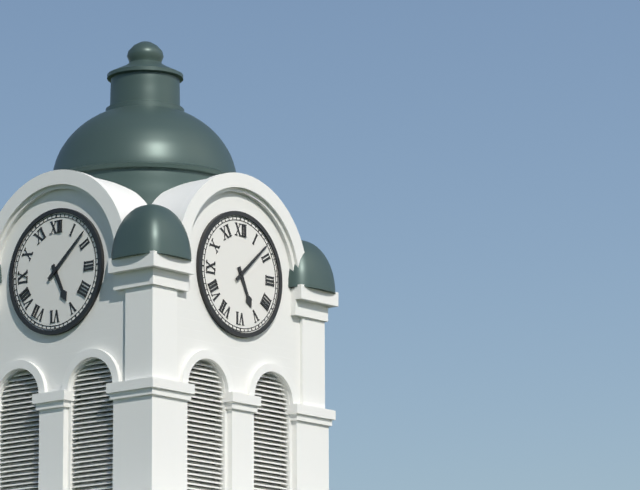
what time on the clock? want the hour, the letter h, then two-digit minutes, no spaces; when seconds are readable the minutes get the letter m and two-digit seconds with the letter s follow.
5h08
